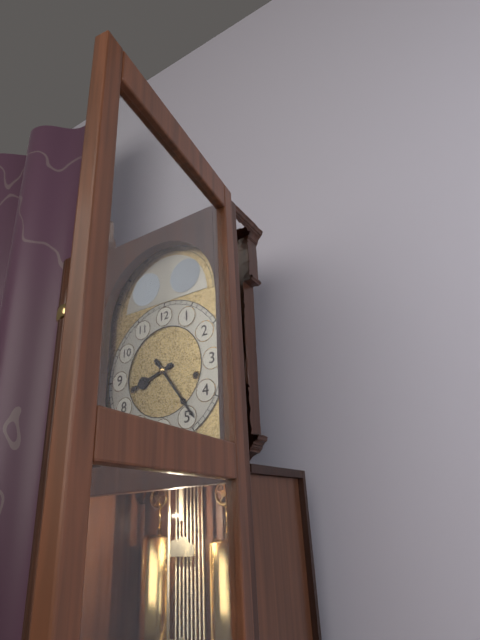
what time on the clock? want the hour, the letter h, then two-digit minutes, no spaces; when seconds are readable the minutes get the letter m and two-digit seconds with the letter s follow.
8h24
